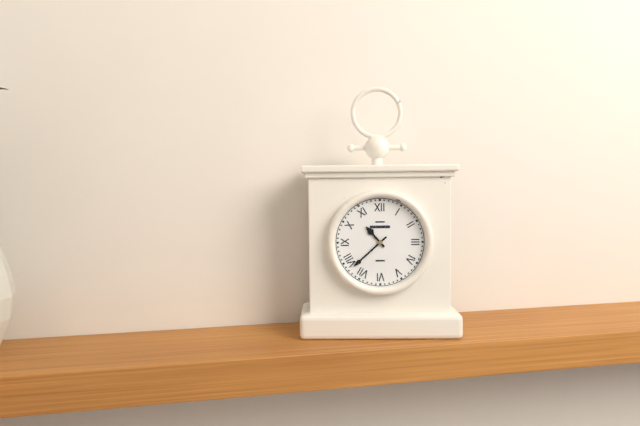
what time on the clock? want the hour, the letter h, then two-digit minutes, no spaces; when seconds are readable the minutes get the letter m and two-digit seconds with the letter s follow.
10h38
